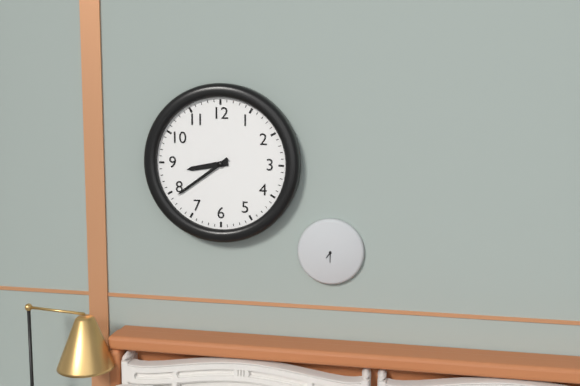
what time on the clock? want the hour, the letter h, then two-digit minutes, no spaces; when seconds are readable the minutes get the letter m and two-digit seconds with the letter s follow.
8h39
